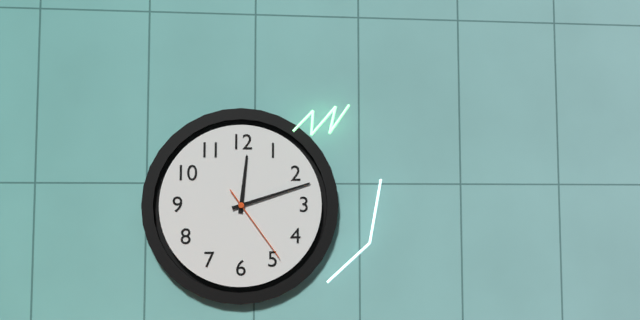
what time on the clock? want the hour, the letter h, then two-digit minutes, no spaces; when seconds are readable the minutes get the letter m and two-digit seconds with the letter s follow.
12h12m24s
